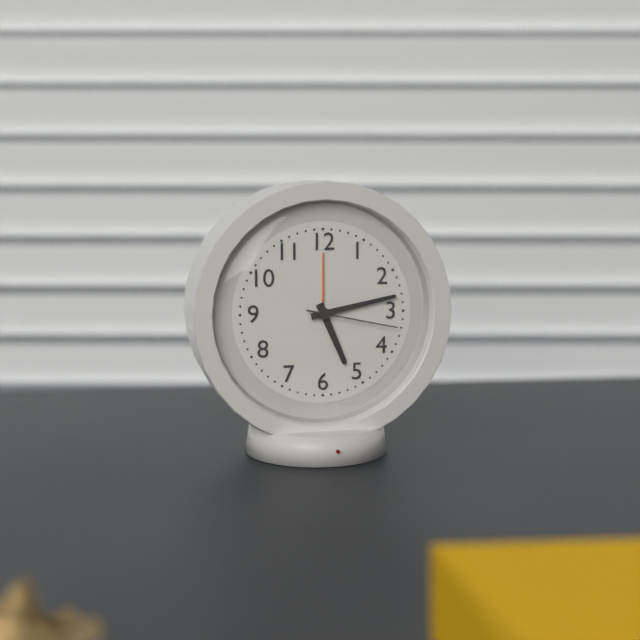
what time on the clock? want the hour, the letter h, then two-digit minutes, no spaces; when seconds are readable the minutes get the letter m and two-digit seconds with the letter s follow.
5h13m17s
